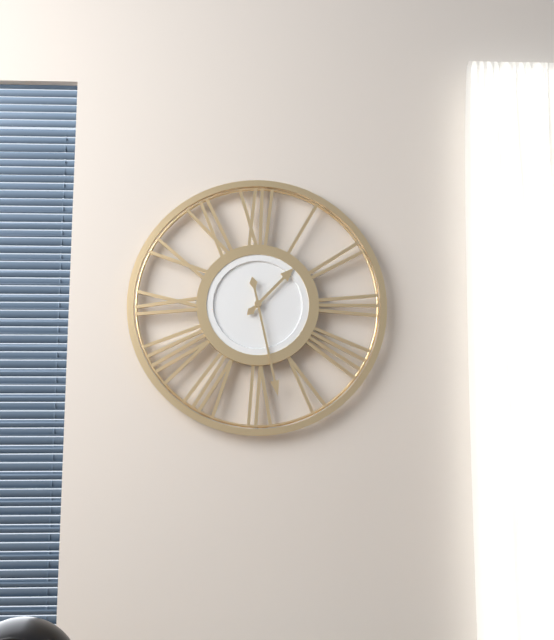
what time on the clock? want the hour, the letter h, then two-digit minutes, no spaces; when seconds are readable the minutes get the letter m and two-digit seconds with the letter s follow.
1h28
